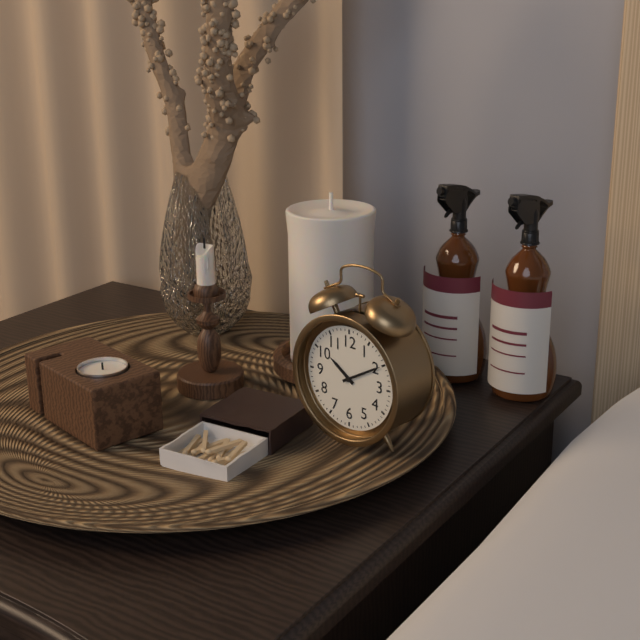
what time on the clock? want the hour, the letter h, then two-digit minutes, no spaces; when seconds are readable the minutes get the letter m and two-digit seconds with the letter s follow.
10h10
